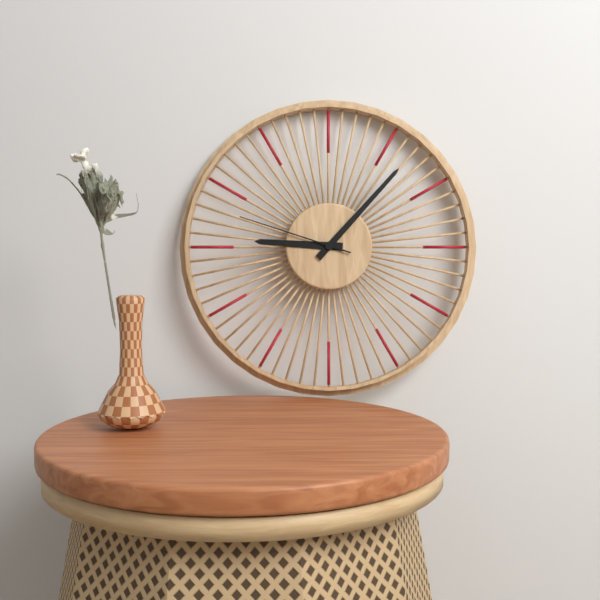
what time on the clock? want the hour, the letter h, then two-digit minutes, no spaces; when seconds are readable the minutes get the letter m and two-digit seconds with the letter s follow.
9h07m48s
